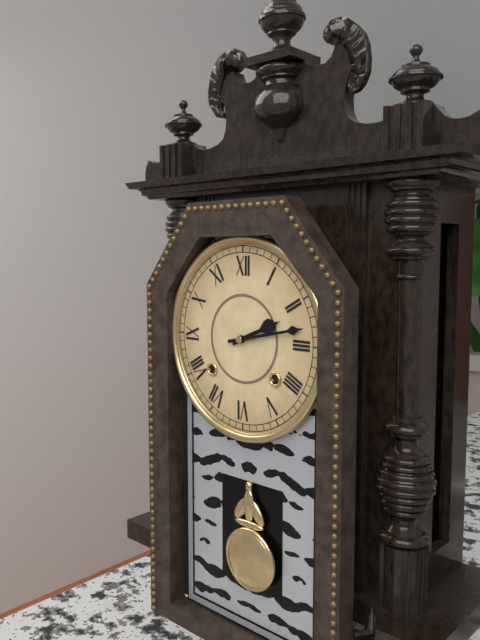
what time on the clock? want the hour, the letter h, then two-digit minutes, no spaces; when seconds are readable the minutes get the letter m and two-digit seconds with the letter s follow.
2h13
